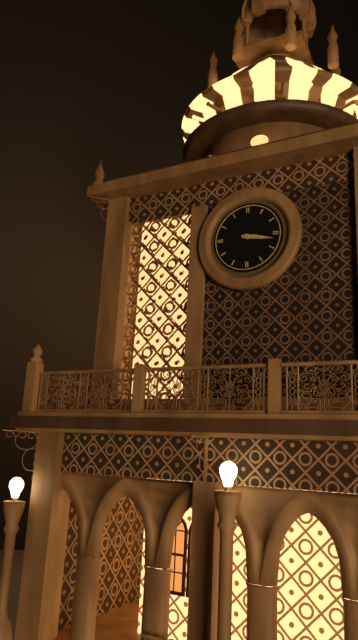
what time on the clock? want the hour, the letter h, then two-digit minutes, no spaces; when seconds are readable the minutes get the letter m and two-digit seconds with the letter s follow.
3h17
